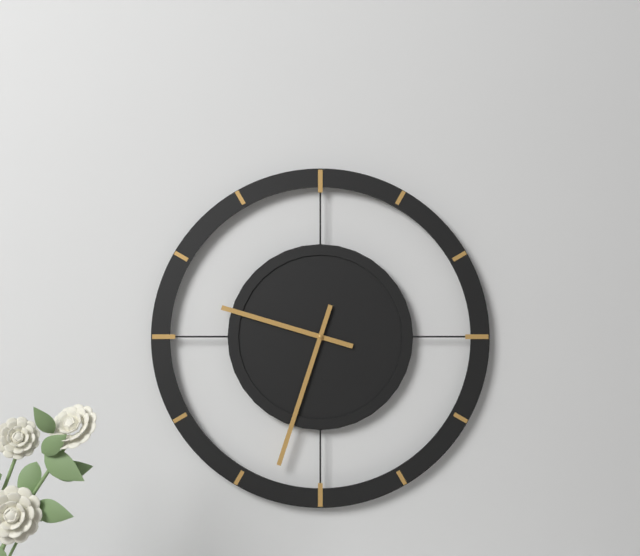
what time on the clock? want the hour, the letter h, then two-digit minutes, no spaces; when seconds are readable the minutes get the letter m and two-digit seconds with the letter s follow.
9h33
